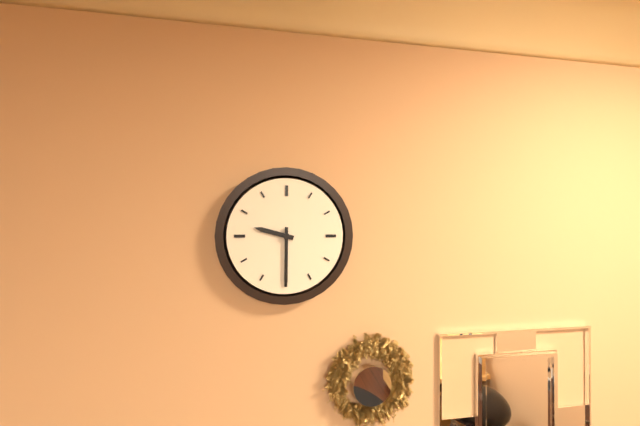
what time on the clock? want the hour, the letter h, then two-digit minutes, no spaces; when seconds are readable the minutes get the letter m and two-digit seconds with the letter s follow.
9h30
